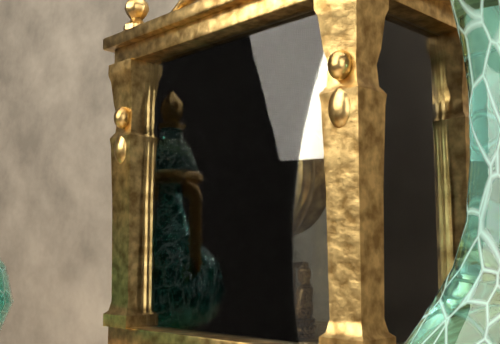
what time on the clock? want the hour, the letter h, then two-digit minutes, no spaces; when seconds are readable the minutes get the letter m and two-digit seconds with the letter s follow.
11h02
